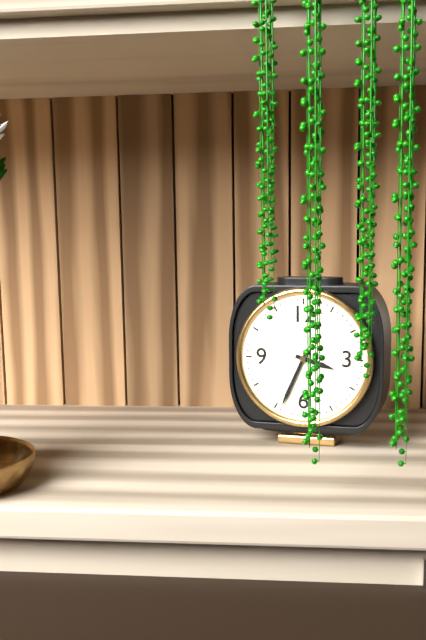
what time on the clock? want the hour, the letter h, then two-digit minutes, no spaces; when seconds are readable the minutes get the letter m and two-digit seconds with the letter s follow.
3h34
